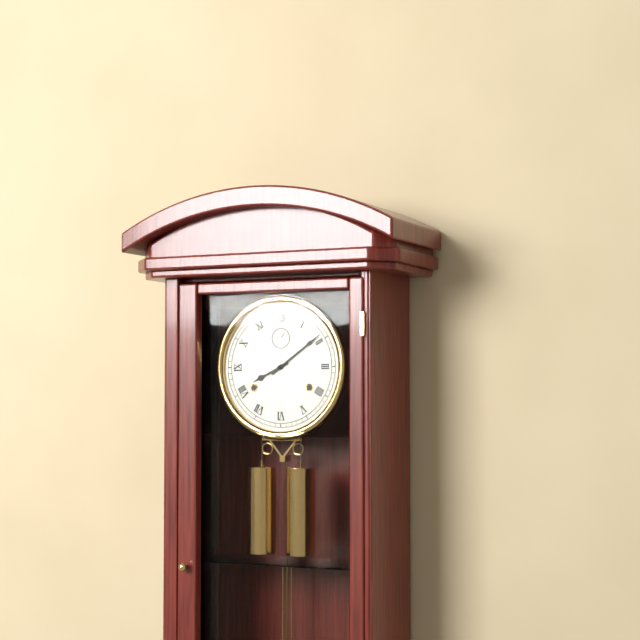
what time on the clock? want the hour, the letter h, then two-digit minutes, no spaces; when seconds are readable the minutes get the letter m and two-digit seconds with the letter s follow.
8h09
